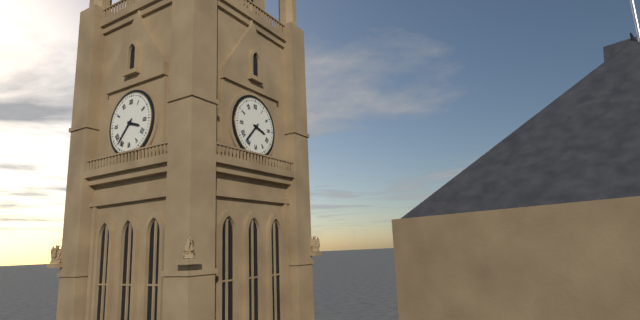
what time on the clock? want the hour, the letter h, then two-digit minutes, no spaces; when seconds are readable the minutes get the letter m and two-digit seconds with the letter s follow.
3h37
